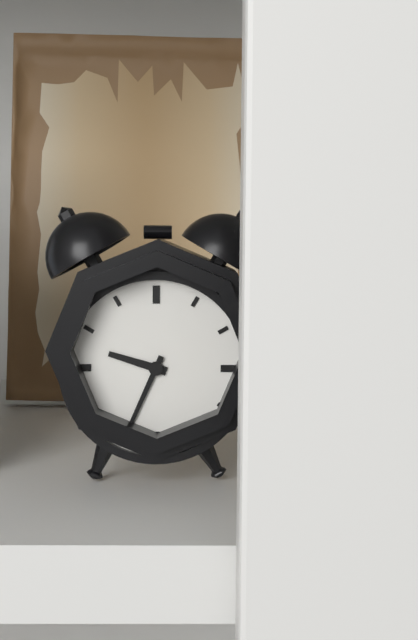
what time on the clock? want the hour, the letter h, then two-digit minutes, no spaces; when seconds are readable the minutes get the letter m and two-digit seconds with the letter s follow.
9h34
